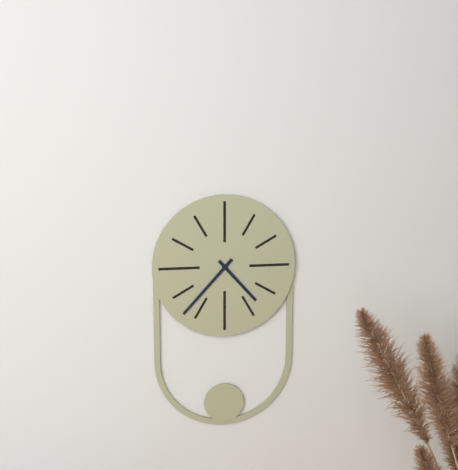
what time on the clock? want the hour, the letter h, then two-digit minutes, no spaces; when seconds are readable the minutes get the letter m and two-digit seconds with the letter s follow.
4h37
